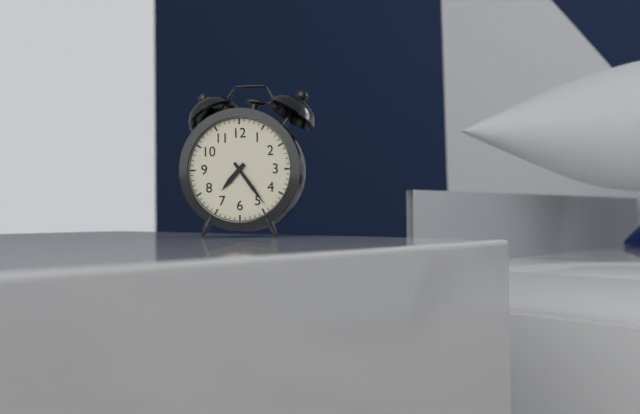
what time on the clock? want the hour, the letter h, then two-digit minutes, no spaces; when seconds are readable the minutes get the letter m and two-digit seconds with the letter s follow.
7h24
